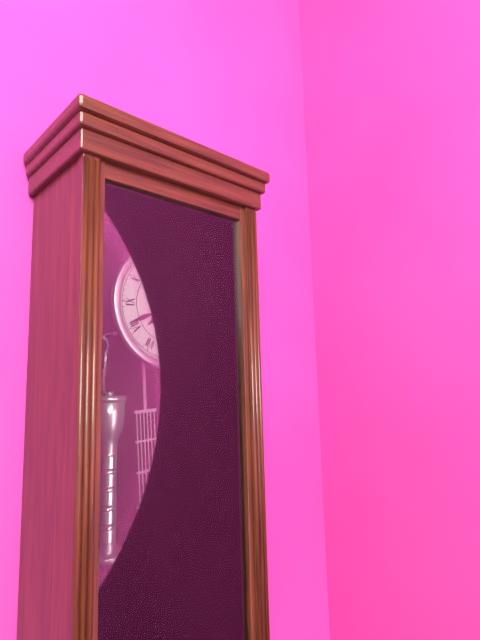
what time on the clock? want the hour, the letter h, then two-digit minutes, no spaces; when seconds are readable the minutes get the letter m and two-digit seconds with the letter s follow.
7h41
